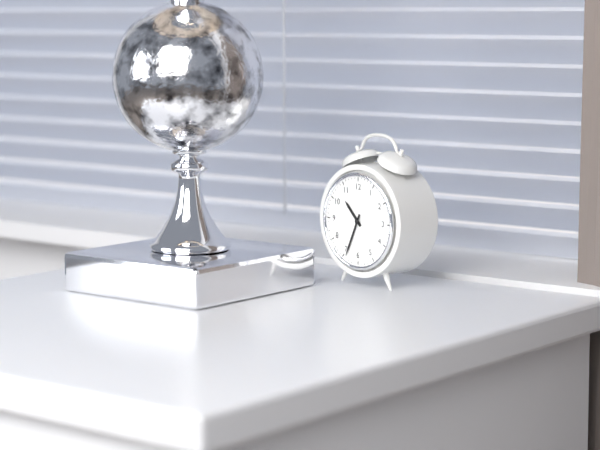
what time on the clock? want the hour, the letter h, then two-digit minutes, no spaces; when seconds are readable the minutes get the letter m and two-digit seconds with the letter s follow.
10h34
